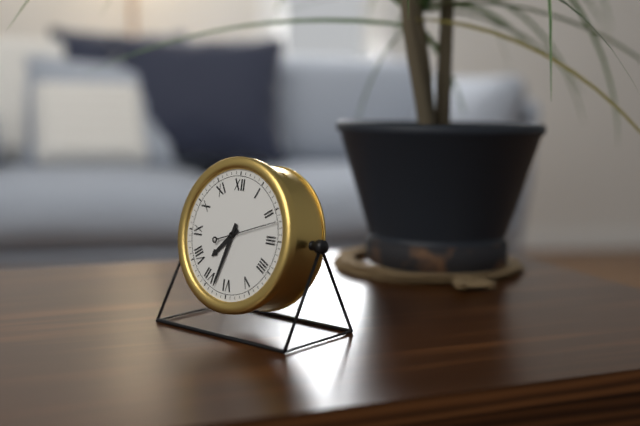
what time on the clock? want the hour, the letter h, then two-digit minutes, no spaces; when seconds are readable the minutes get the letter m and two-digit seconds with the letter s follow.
7h33m12s
